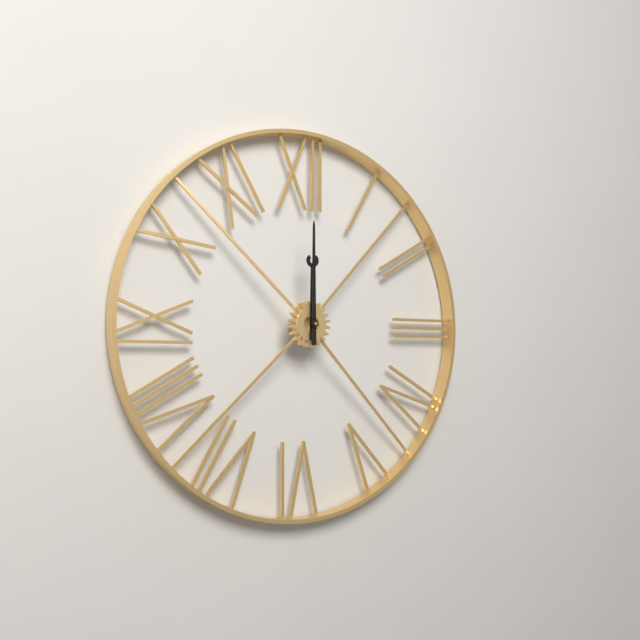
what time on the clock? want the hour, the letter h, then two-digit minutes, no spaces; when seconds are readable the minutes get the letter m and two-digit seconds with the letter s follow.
12h00
